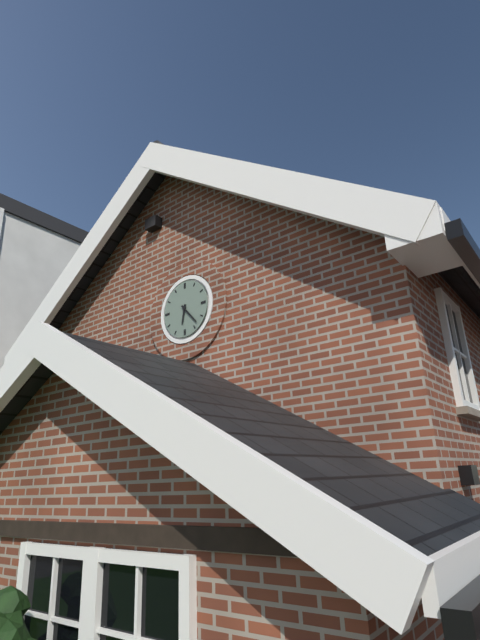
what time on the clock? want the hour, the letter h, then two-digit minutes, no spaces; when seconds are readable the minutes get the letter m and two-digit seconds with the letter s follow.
6h23
